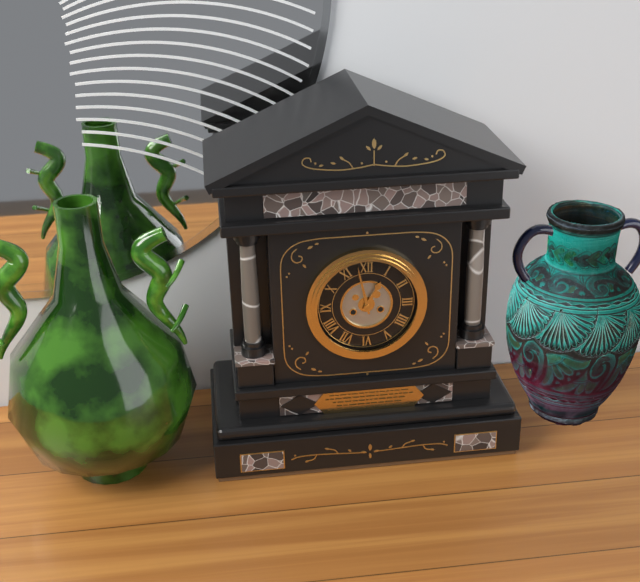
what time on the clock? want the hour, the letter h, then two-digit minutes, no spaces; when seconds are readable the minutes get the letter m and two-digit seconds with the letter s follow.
12h58
